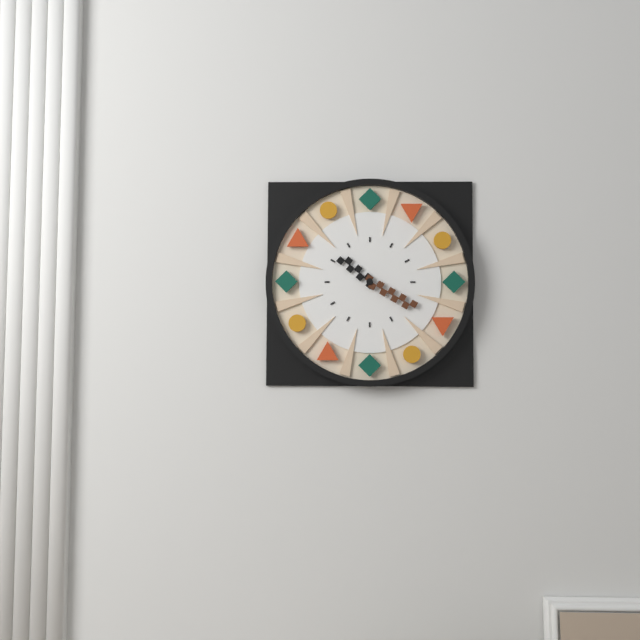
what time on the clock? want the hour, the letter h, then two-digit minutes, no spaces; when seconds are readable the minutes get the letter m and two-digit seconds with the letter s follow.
10h20
